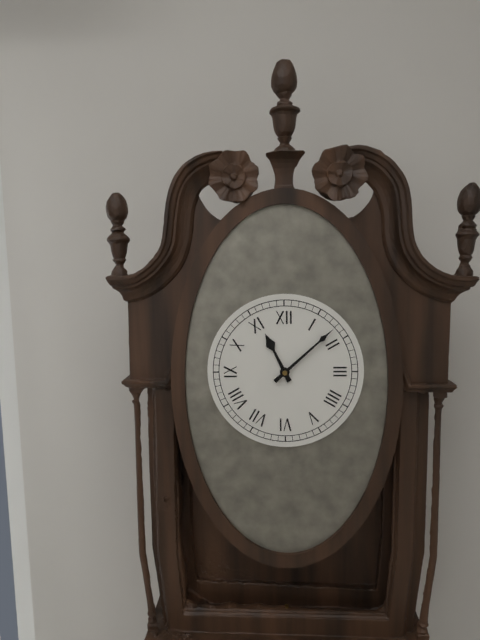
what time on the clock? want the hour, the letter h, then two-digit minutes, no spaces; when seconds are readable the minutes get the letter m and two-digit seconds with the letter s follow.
11h08
